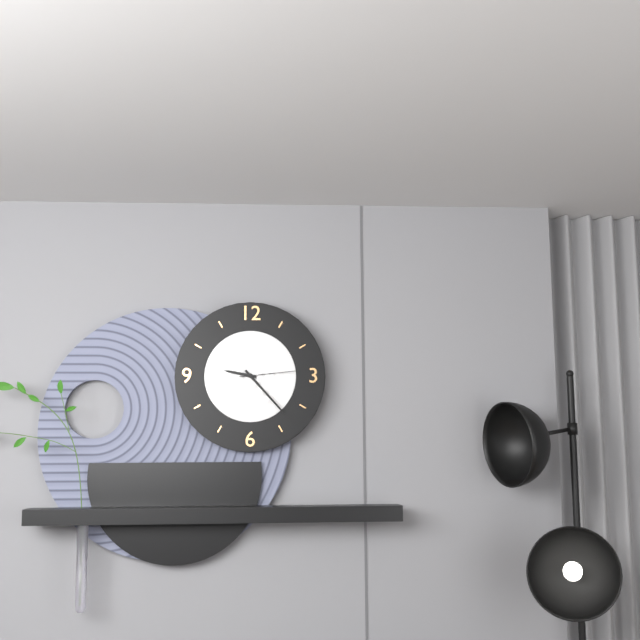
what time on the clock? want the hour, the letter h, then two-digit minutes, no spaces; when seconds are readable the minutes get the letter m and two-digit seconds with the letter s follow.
9h23m14s
